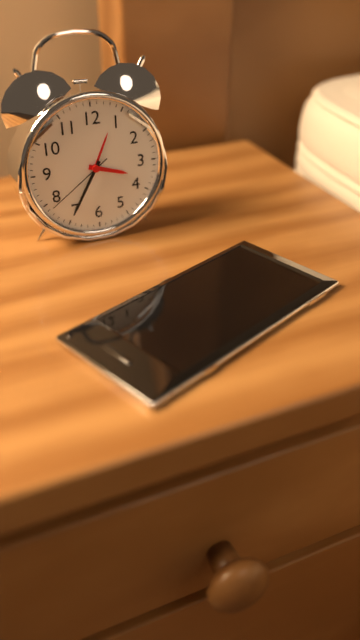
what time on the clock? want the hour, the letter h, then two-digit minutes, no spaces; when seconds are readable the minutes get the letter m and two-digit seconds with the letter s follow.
3h35m39s
